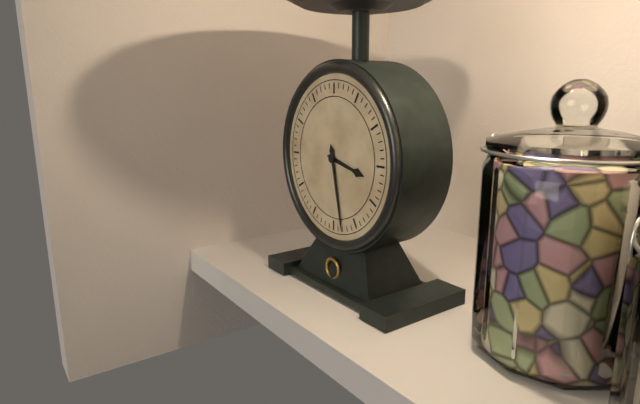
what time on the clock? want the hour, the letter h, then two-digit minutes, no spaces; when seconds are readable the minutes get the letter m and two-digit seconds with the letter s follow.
3h28
